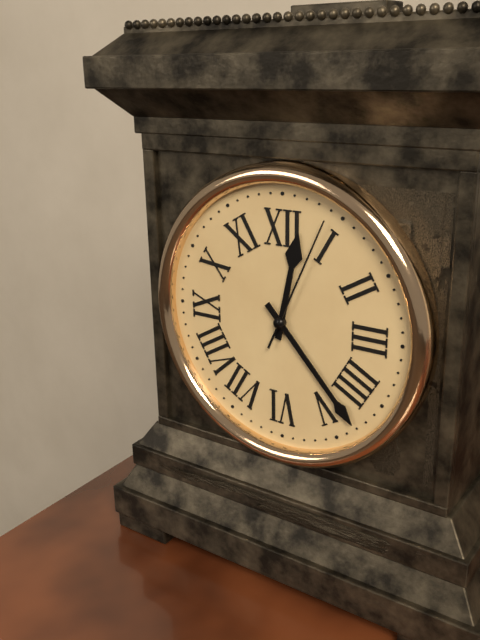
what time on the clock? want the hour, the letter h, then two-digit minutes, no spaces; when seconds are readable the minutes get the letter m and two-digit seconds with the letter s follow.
12h23m04s
